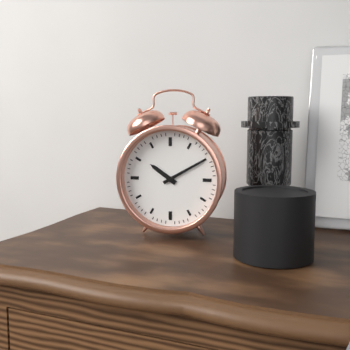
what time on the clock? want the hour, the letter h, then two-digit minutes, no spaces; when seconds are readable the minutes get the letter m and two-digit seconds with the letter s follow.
10h10
